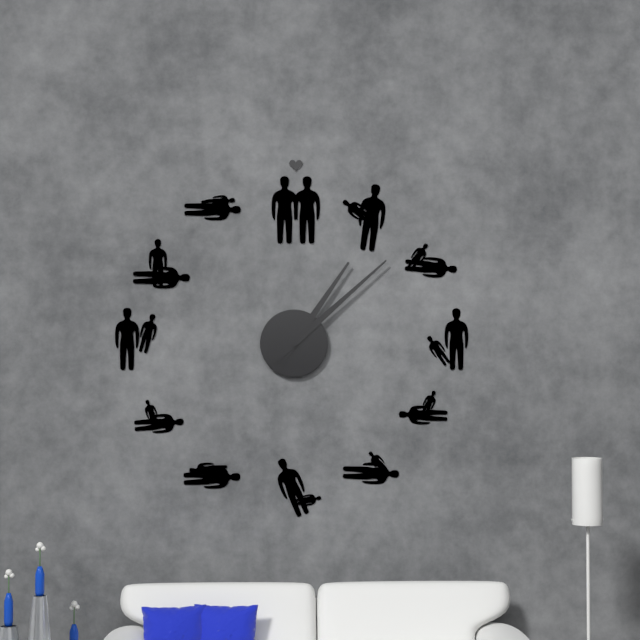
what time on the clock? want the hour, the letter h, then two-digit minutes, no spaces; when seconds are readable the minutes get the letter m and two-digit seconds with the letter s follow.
1h08
